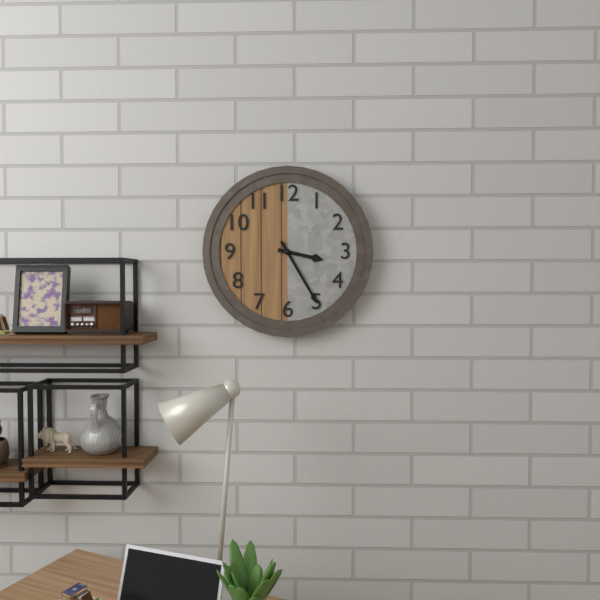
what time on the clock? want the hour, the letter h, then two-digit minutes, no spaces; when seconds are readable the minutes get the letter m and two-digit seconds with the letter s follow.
3h25
